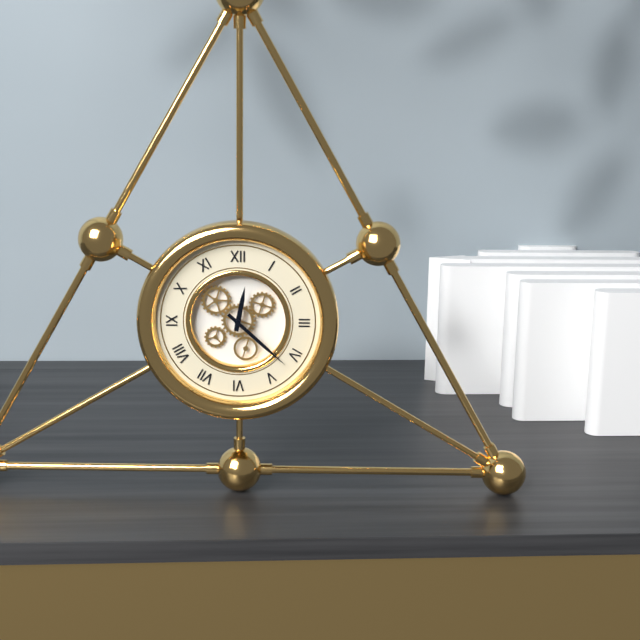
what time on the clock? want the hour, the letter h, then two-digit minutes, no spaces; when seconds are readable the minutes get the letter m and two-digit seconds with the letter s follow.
12h22
